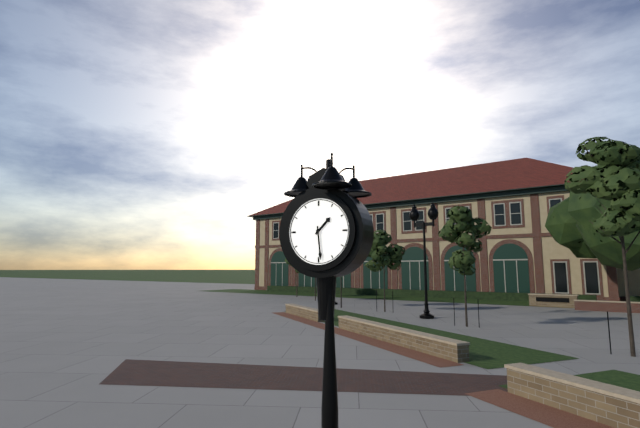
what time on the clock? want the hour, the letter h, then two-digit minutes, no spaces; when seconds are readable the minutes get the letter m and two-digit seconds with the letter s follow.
1h29
